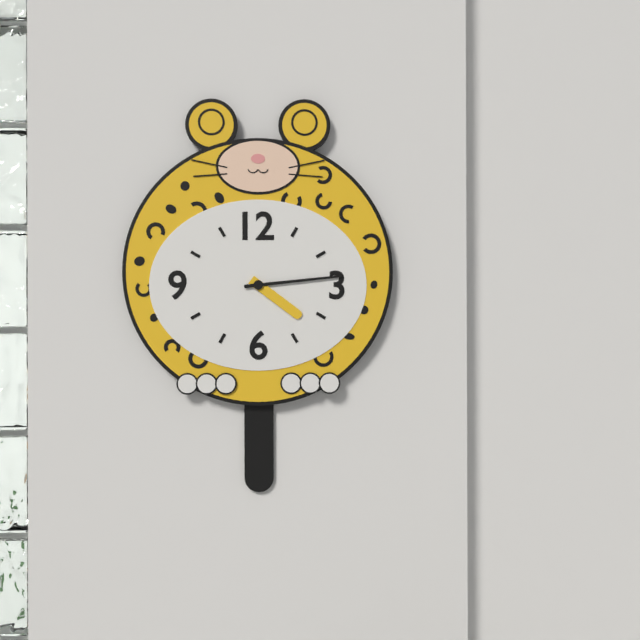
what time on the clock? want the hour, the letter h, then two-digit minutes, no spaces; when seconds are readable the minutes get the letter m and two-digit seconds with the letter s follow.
4h14
